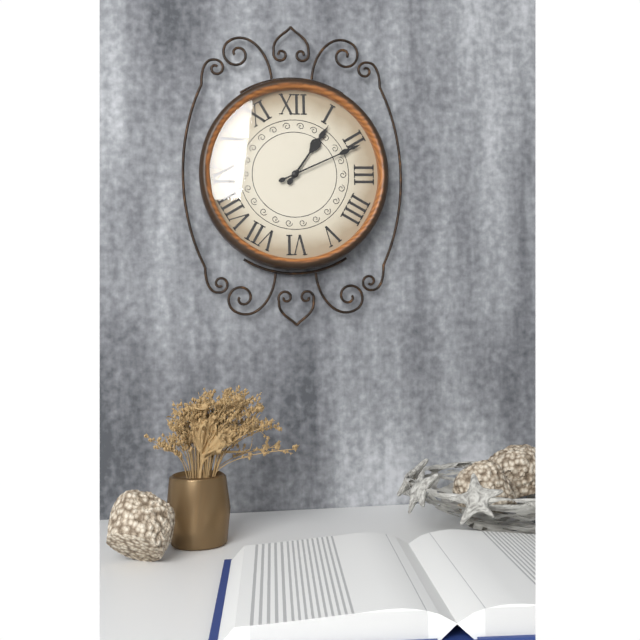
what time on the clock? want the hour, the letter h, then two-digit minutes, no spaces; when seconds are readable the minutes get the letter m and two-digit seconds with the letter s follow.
1h11
